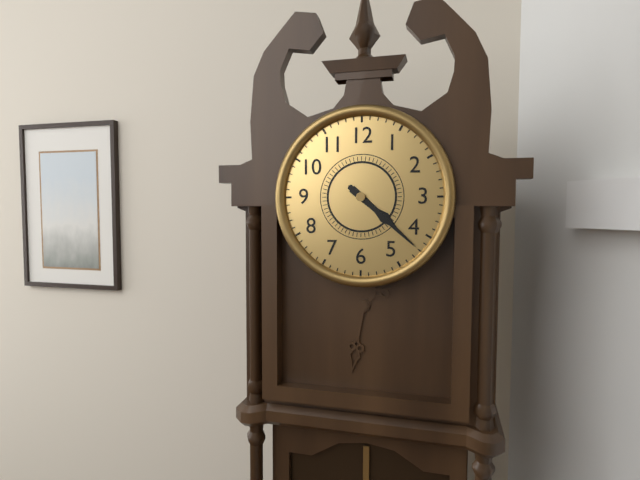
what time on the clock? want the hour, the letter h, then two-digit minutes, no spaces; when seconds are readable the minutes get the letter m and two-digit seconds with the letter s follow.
4h22
